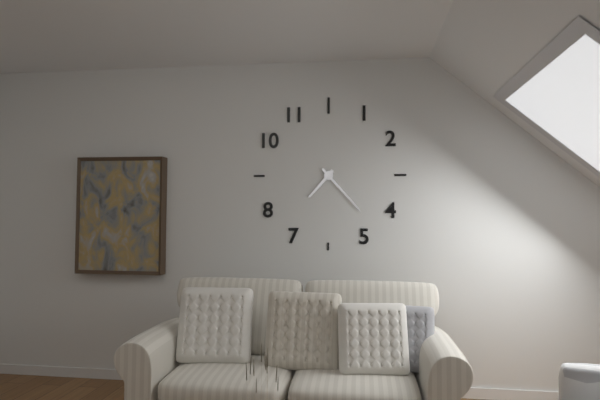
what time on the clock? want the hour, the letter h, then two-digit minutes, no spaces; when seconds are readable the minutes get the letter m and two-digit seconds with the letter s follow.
7h23
